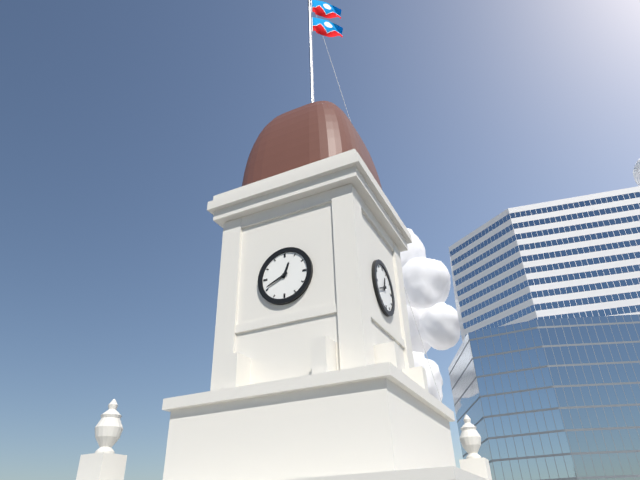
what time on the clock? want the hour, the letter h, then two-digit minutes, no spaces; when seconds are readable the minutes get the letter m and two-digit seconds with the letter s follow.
12h41
